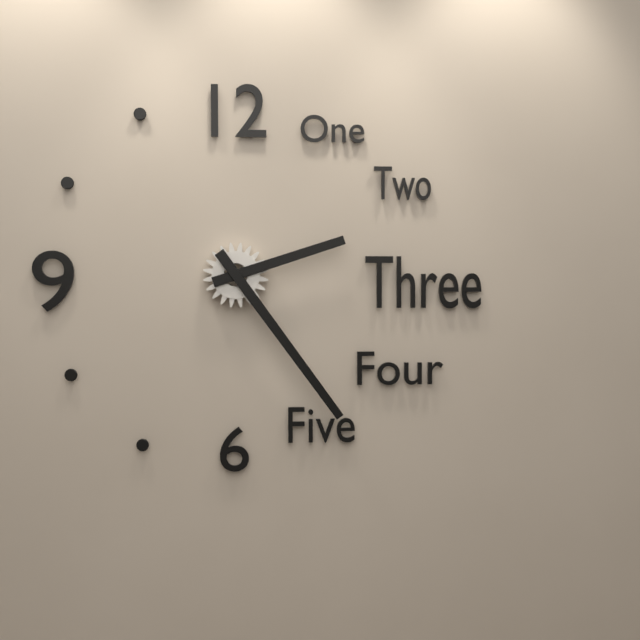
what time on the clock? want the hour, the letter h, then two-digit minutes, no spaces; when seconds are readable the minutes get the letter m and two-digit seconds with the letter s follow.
2h24
